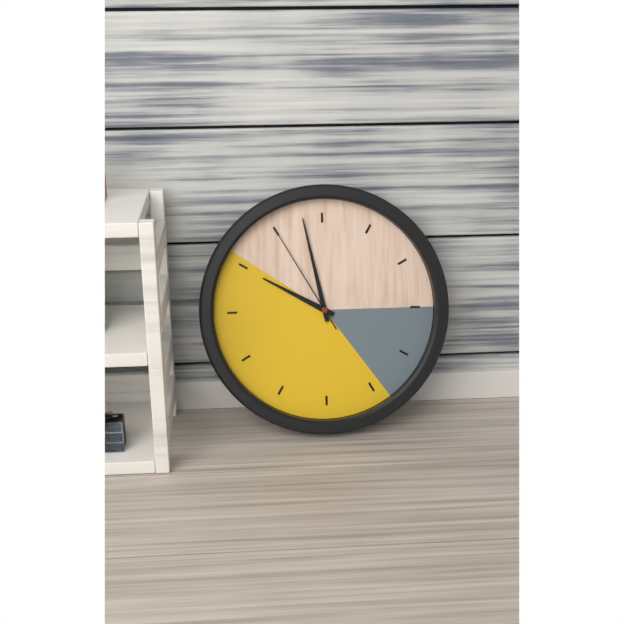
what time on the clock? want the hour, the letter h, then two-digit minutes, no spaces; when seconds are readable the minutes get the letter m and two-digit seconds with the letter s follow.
9h58m55s
